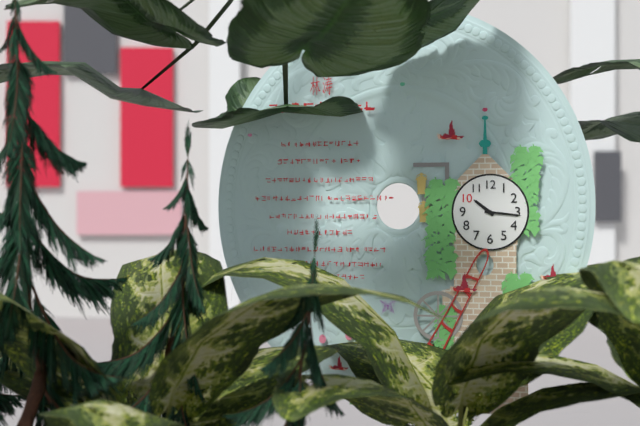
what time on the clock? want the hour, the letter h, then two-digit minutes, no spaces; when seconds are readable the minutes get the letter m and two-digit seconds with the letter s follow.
10h16
